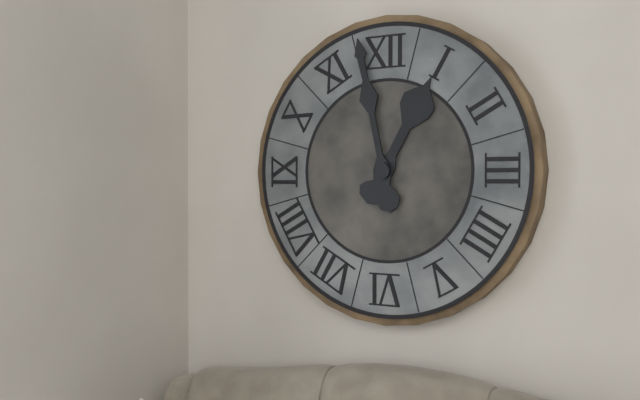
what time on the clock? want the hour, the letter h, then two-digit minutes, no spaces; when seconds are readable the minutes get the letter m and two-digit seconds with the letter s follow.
12h58
